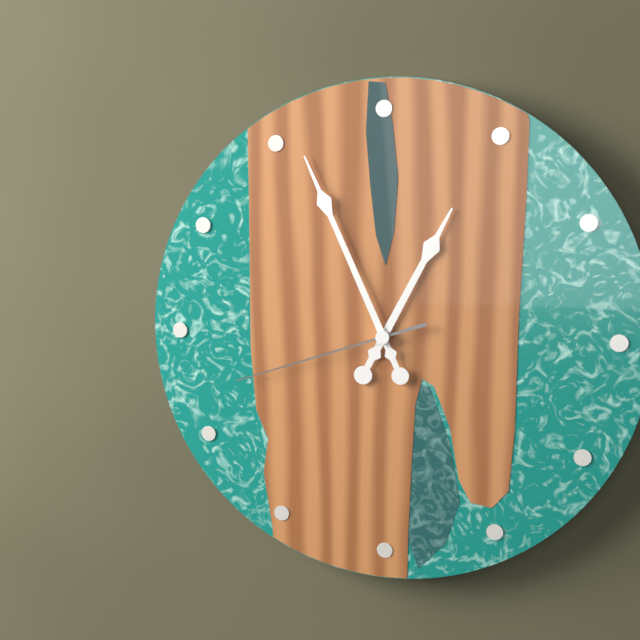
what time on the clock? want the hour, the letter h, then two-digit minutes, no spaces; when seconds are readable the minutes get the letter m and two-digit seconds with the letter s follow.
12h56m42s
